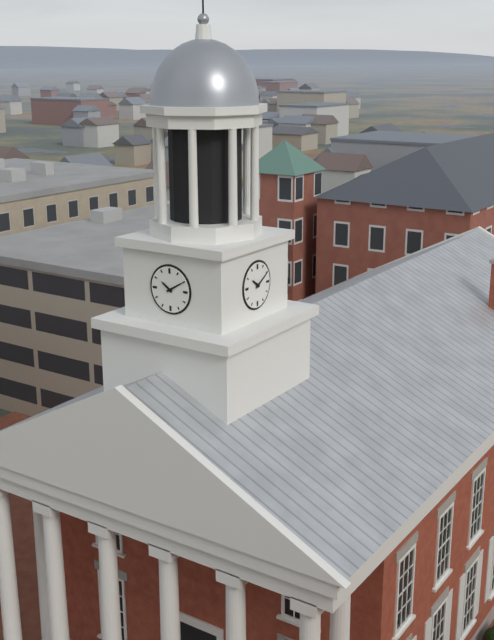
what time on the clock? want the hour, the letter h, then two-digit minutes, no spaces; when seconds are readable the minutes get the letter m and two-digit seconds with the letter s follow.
10h10
